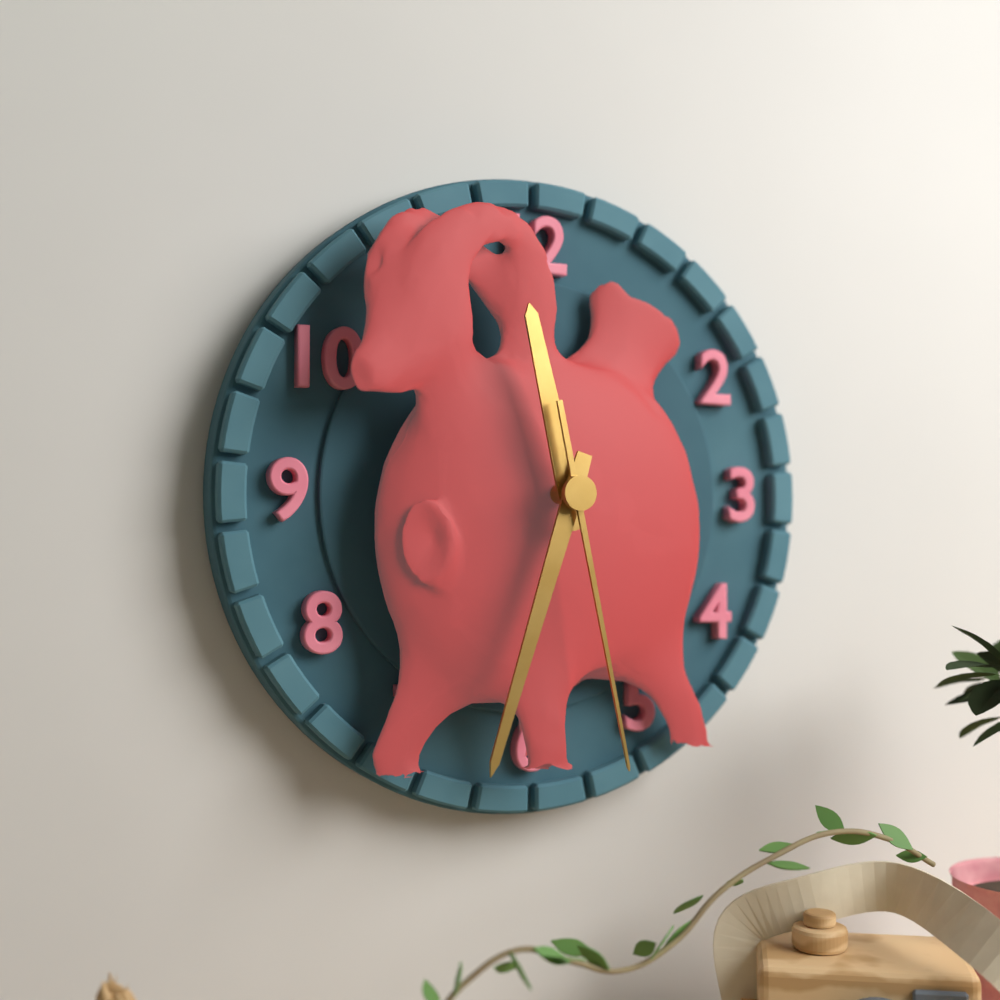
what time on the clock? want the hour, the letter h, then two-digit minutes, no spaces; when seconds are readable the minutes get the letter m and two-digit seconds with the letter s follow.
11h33m28s
